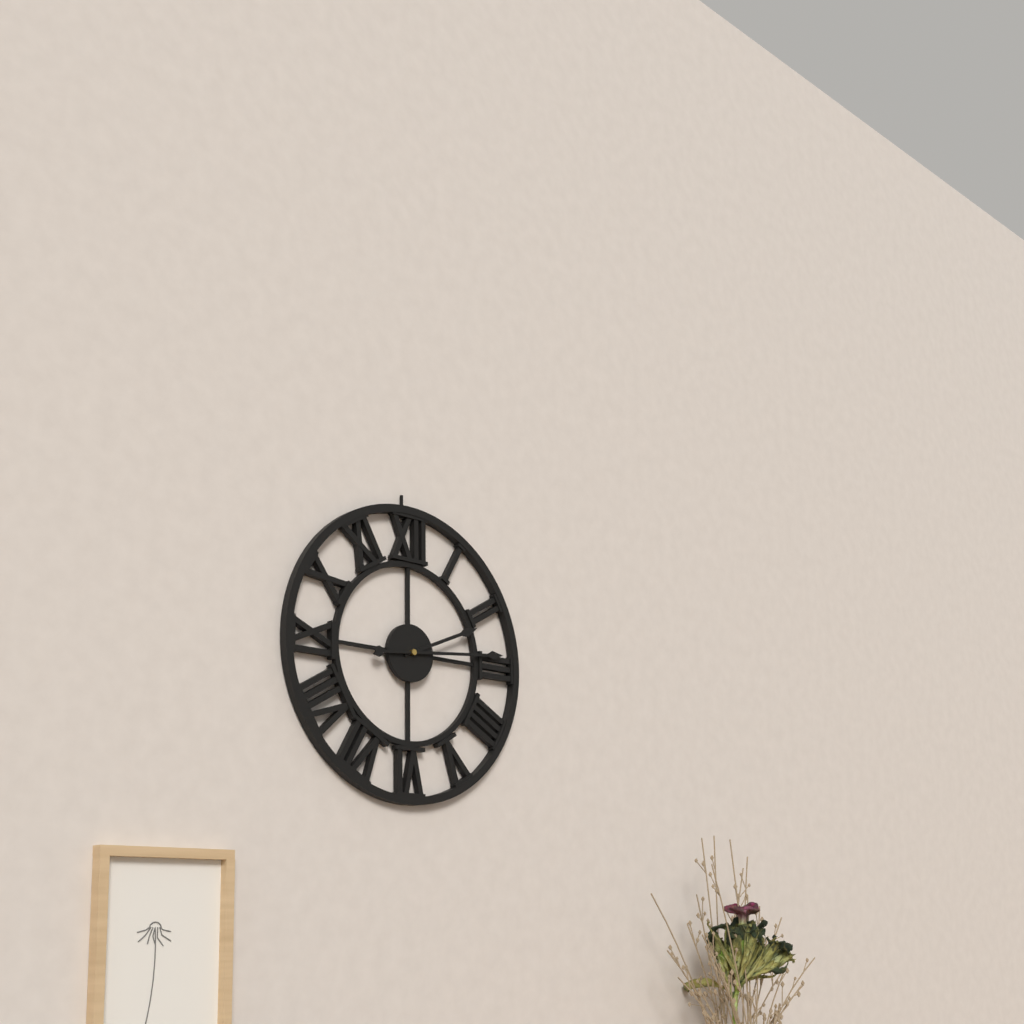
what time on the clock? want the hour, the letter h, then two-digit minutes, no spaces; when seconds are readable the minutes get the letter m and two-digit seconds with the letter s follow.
2h14
